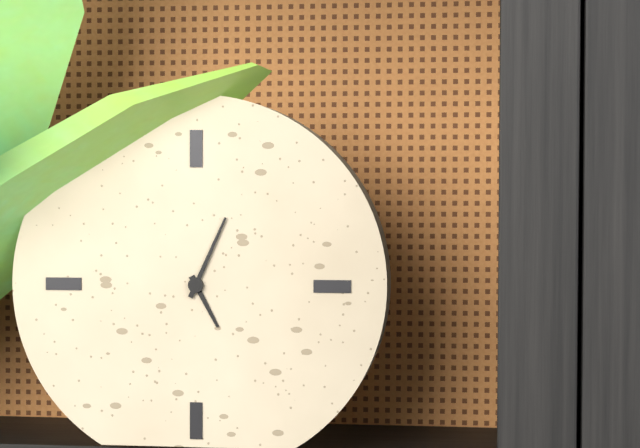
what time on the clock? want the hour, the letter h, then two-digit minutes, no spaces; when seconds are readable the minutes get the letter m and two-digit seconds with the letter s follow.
5h04
